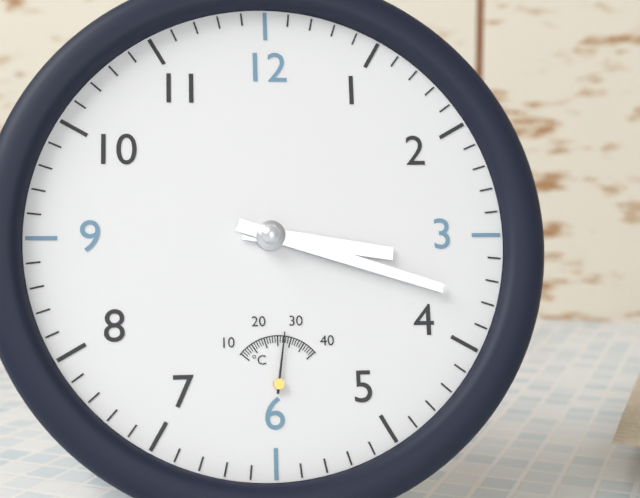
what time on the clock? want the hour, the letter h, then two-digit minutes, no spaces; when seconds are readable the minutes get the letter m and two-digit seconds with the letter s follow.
3h18
